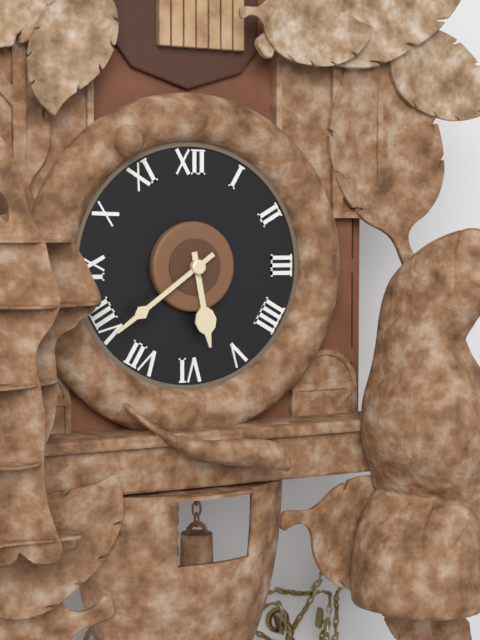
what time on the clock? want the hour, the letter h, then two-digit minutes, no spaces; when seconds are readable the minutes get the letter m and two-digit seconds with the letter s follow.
5h39
